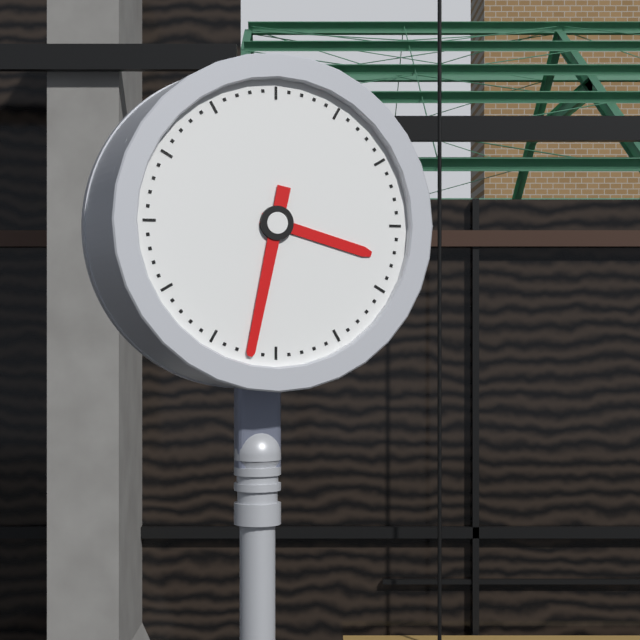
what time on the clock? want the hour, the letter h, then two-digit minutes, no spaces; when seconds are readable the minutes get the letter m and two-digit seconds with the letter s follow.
3h32
